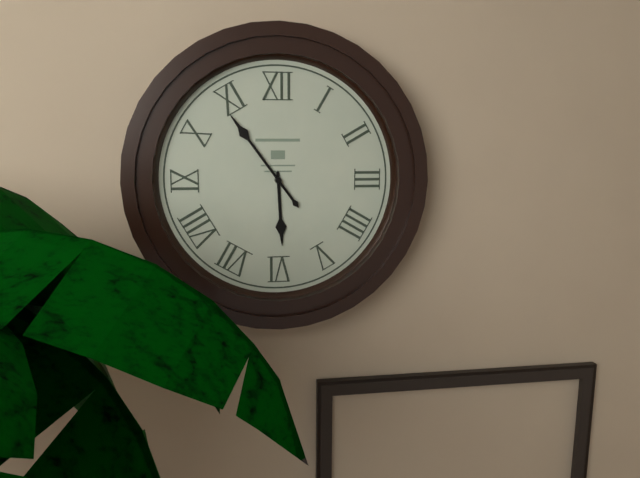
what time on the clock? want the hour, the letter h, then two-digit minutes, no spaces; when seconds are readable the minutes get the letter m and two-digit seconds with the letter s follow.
5h54
